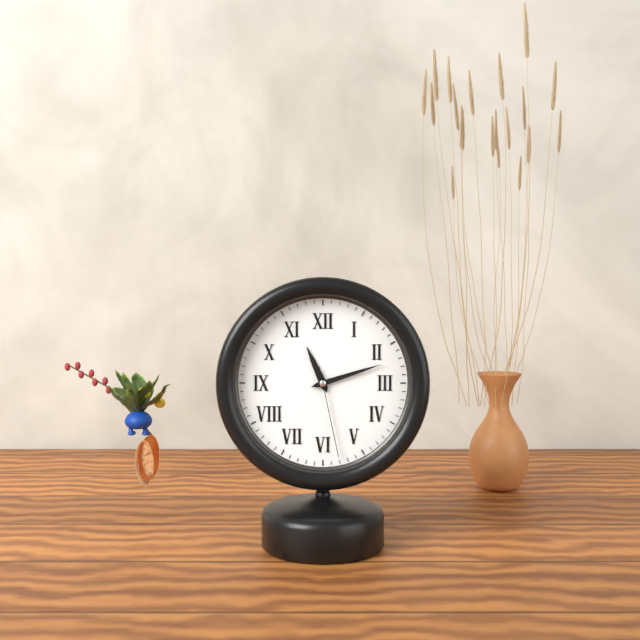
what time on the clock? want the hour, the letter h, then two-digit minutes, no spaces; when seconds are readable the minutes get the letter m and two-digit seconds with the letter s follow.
11h12m28s
